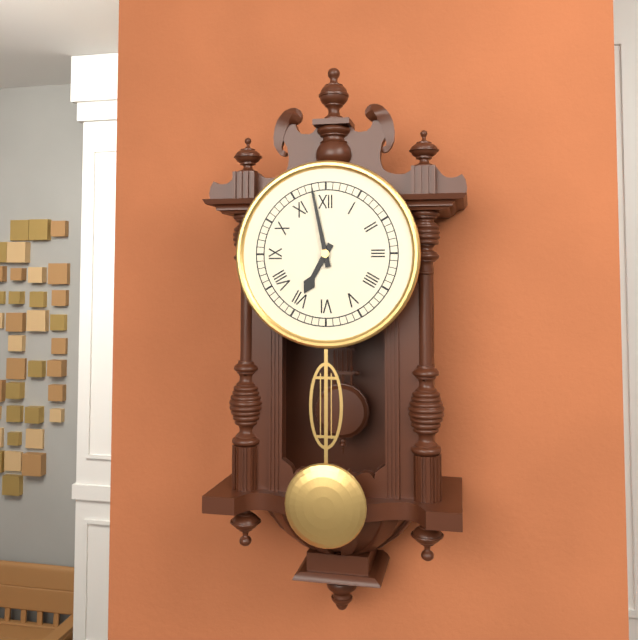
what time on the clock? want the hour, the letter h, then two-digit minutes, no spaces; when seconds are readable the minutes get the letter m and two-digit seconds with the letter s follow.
6h58
